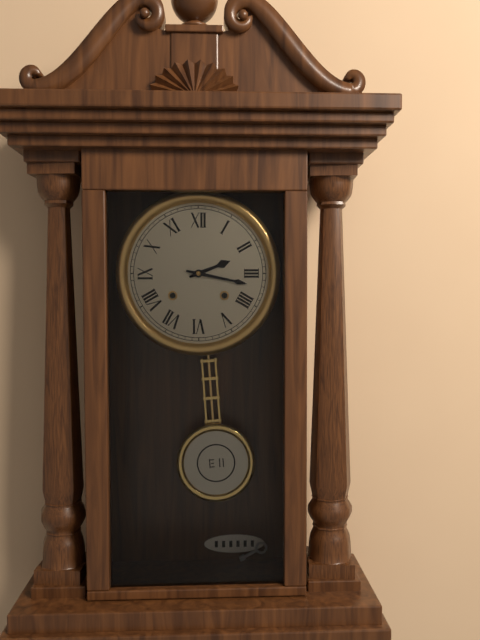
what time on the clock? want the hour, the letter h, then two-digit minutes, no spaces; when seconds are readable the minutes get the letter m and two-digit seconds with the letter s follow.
2h17
